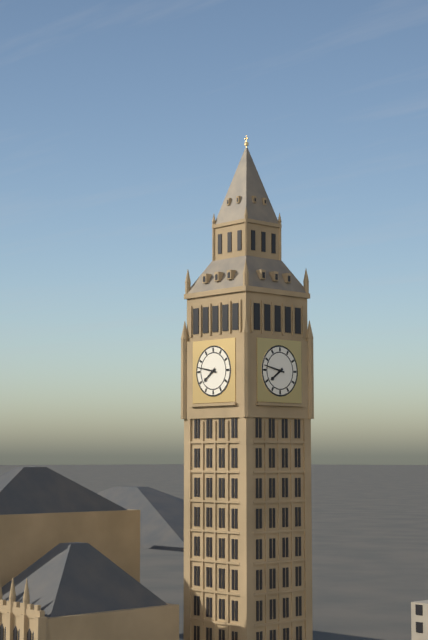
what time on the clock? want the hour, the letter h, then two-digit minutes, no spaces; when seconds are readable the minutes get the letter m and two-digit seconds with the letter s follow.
7h47
